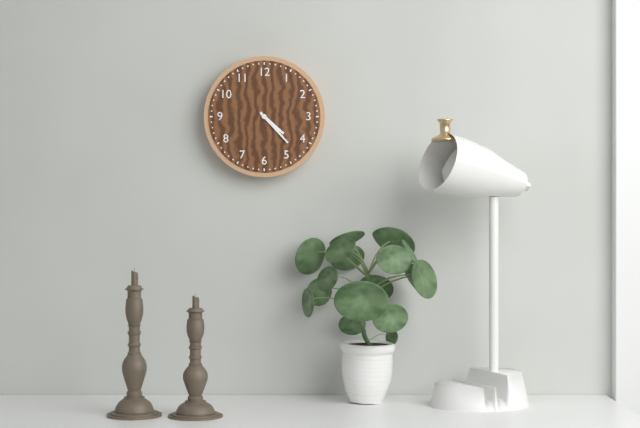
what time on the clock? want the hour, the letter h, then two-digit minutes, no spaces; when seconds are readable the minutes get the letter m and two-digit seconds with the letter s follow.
4h23
